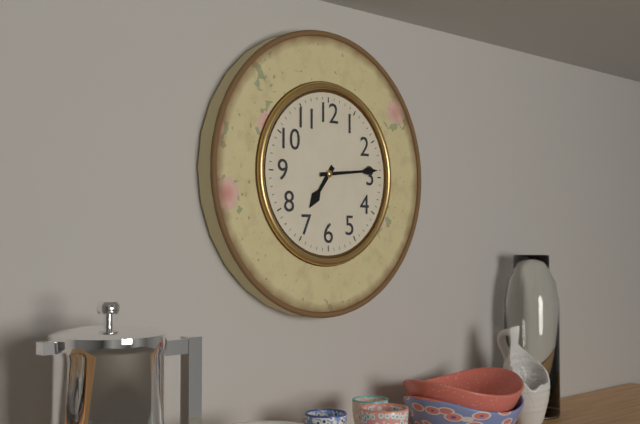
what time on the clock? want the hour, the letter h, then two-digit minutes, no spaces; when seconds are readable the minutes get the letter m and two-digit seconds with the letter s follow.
7h14
